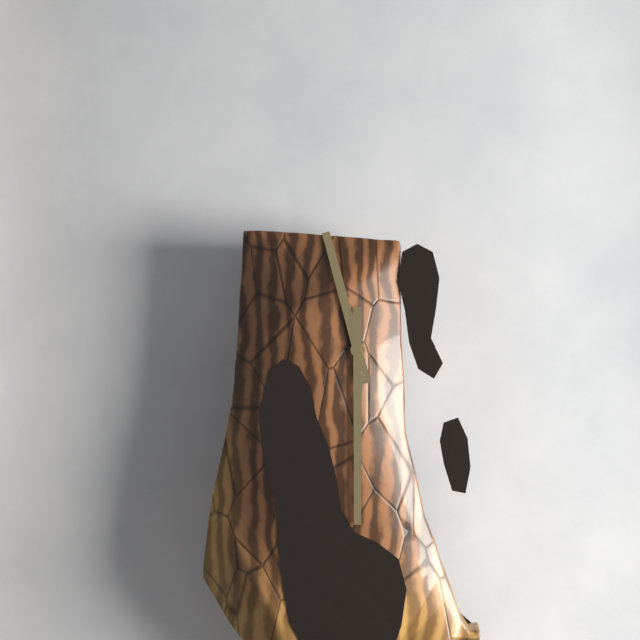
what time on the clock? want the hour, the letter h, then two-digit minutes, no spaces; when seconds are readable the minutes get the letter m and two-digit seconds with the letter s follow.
11h30
